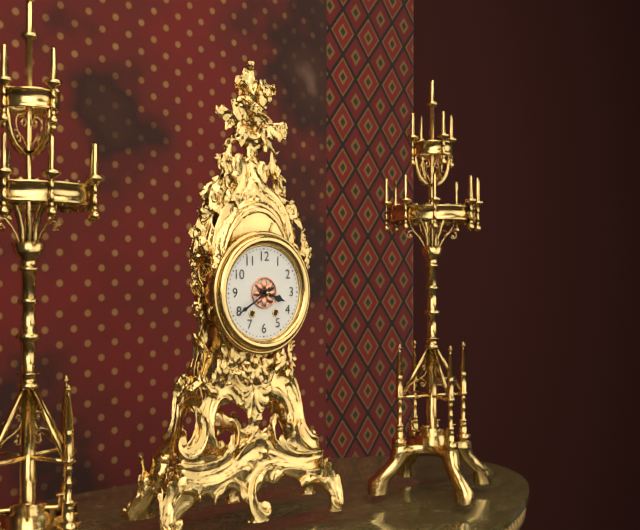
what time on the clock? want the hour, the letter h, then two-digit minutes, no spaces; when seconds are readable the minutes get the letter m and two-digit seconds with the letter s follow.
3h40
